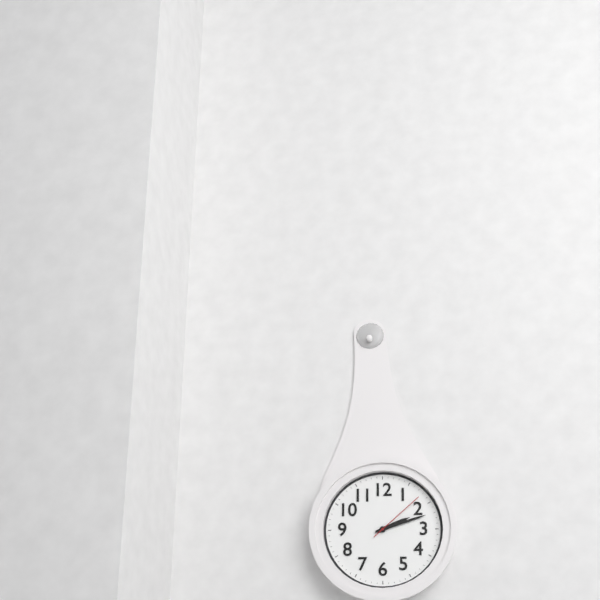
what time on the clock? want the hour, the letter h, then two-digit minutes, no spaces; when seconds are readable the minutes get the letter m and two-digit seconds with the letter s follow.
2h12m08s
